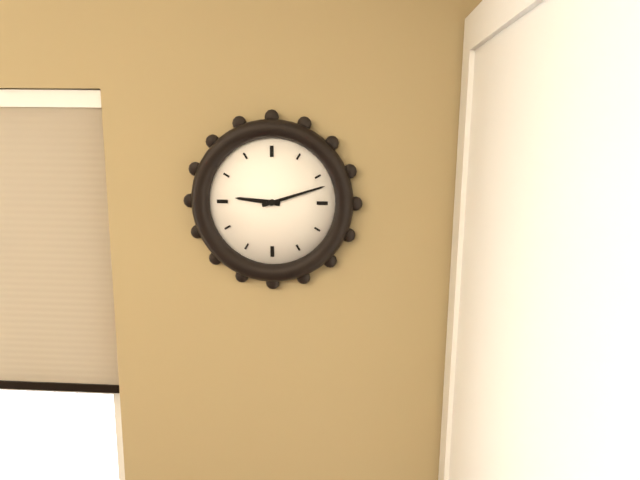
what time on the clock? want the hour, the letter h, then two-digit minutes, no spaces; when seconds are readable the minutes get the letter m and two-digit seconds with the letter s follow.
9h12
